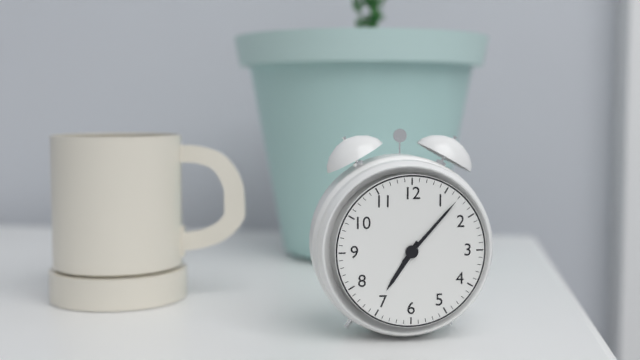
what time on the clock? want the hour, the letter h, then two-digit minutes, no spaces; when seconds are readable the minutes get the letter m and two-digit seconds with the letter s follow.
7h07
